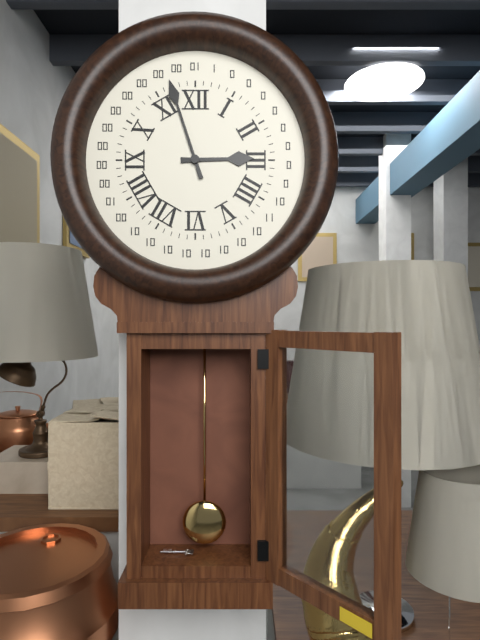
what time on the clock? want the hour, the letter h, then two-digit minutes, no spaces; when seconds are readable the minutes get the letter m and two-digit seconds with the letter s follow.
2h57
